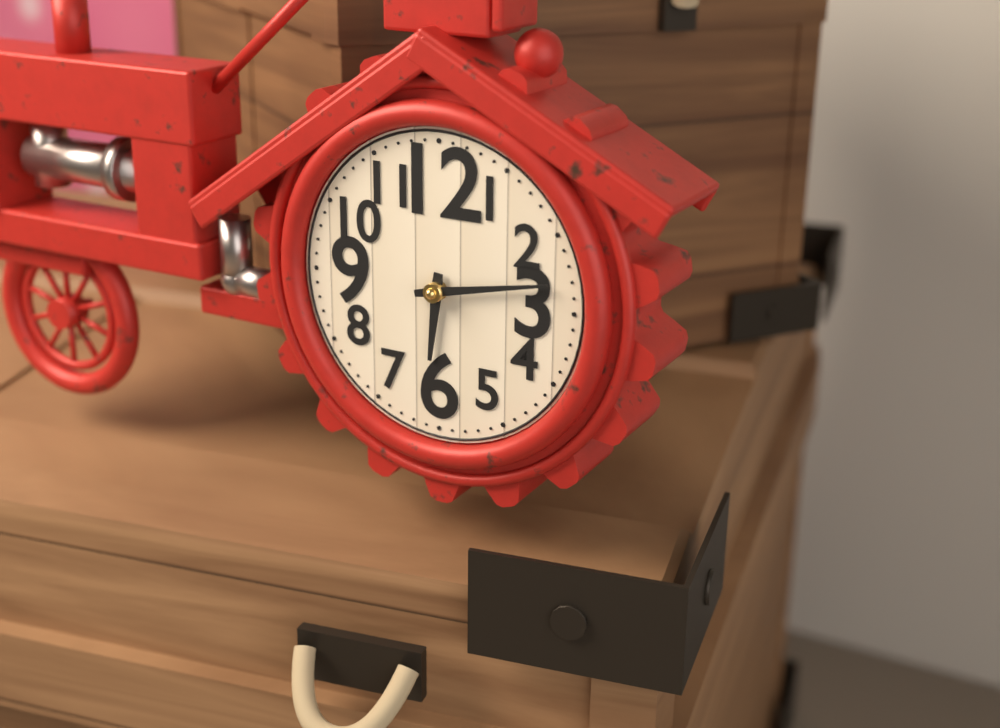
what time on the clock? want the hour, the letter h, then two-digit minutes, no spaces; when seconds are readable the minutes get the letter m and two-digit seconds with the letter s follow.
6h13
